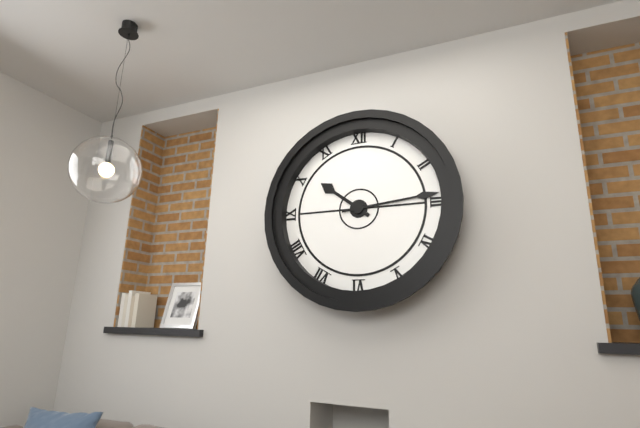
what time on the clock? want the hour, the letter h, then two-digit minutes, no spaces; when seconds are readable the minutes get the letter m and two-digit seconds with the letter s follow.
10h14
